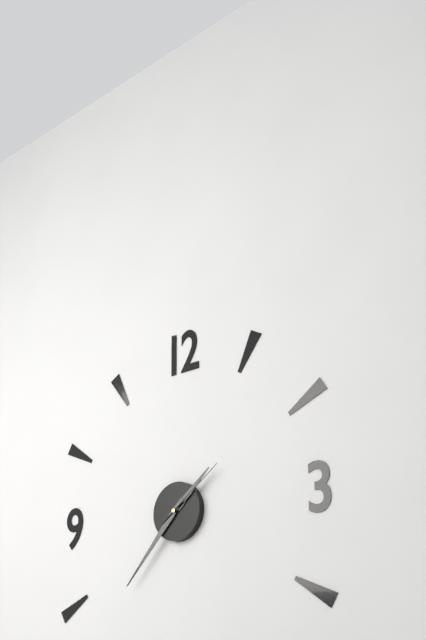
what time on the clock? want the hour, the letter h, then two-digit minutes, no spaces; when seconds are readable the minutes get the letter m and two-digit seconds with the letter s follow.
1h37m09s
